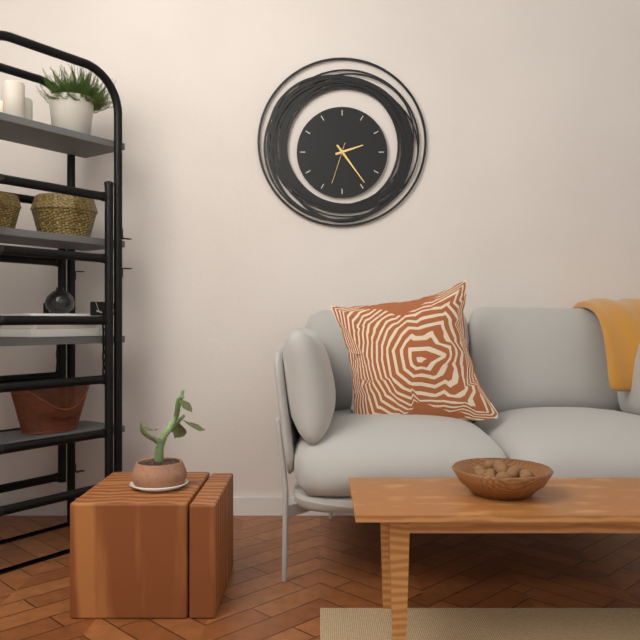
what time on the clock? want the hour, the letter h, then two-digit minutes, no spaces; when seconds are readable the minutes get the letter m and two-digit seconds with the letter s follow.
2h24
